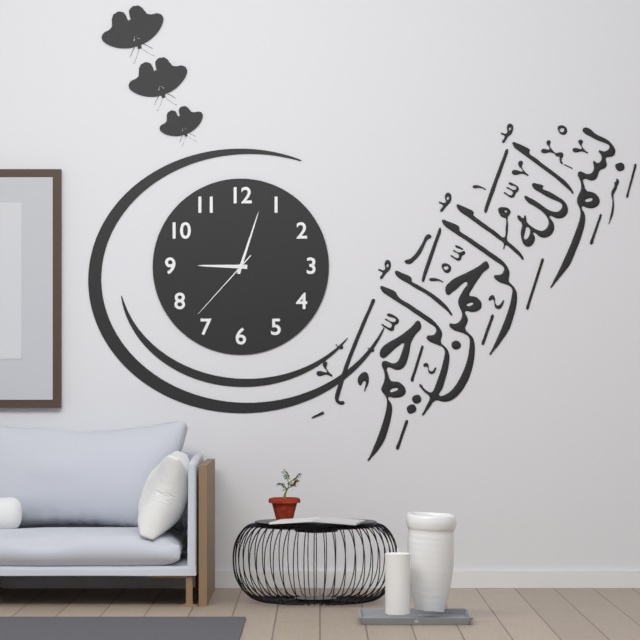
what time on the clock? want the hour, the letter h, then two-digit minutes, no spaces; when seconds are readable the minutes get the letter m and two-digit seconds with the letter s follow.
9h03m37s
